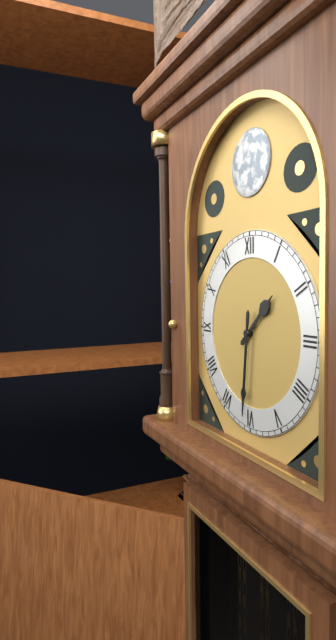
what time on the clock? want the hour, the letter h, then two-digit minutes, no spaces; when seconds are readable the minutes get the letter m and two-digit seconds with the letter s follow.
1h31
